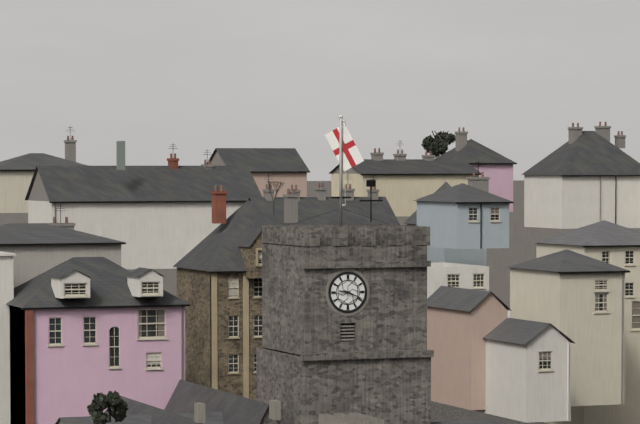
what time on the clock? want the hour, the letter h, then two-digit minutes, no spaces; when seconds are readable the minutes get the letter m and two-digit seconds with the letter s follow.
9h19
